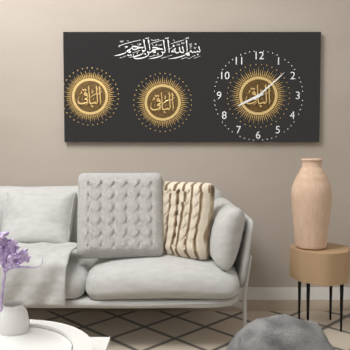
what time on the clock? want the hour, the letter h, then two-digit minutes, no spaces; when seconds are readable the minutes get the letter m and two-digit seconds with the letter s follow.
8h08
